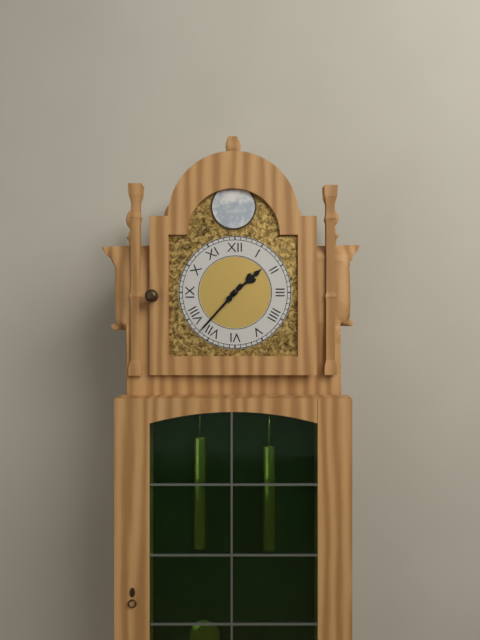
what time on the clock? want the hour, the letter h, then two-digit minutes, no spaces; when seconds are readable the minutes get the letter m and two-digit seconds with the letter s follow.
1h37
